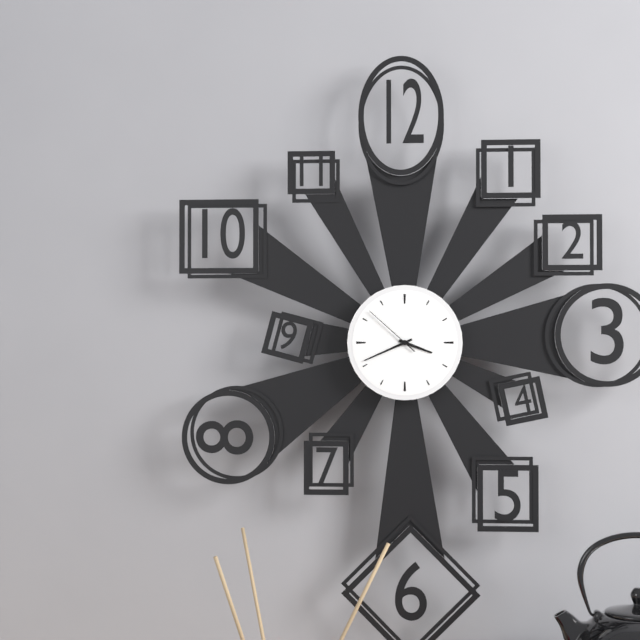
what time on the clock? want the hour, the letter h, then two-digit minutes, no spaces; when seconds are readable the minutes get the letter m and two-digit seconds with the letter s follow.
3h41m52s
